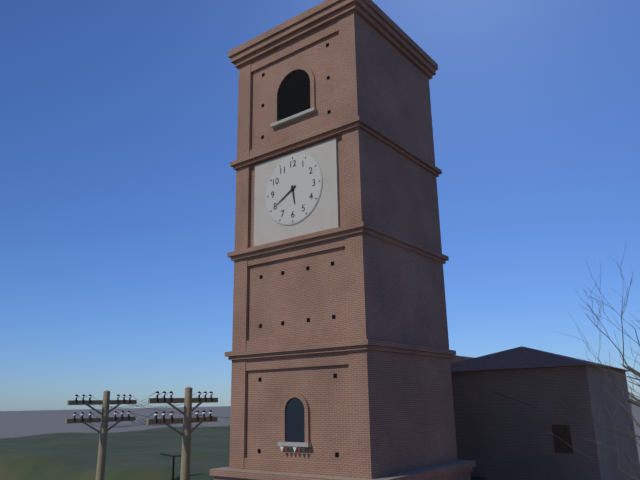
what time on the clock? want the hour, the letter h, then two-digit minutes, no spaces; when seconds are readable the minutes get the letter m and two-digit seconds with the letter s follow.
5h40
